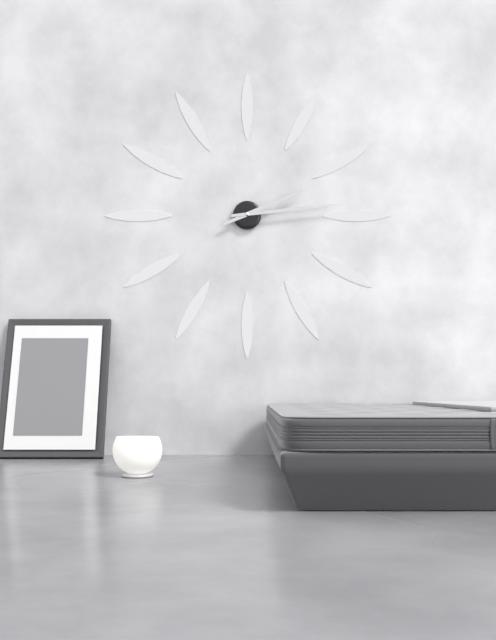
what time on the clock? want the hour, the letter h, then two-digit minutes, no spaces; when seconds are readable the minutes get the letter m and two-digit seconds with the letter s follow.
2h14
